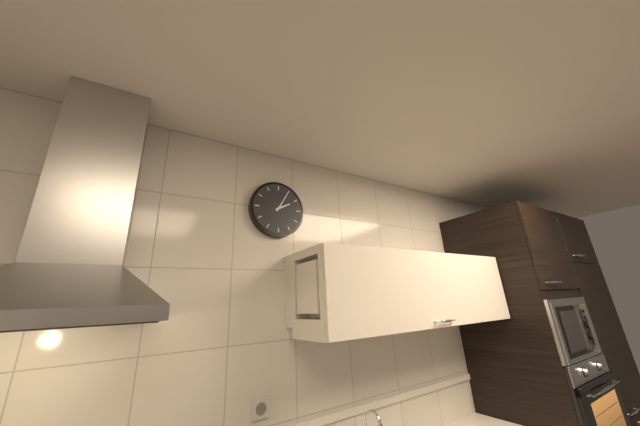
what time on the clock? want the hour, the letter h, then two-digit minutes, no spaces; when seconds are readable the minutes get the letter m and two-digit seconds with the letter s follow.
2h05
